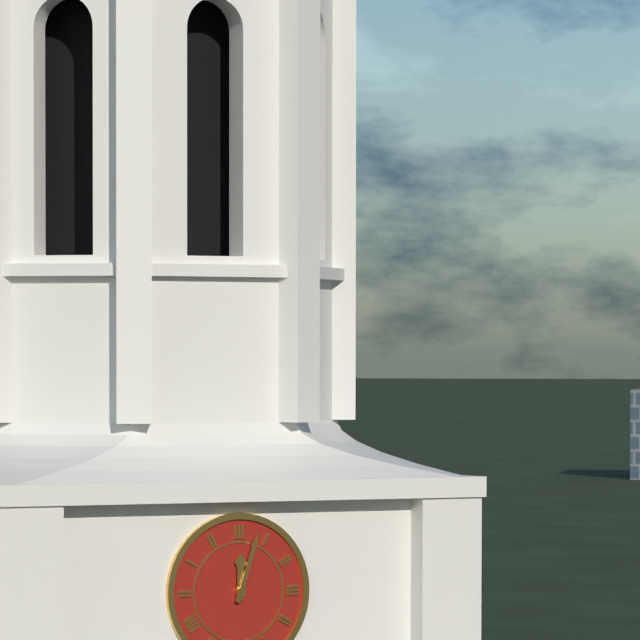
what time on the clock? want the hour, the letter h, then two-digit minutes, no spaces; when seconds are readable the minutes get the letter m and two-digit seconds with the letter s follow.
12h03
